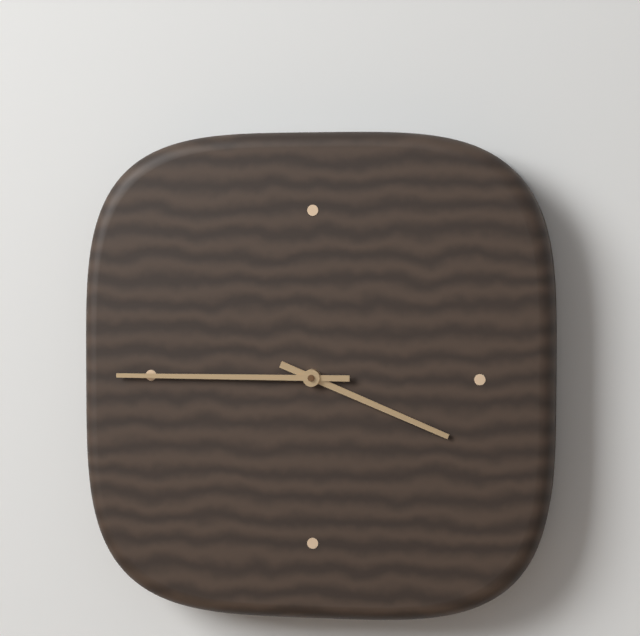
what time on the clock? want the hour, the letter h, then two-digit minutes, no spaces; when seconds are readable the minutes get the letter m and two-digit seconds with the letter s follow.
3h45
